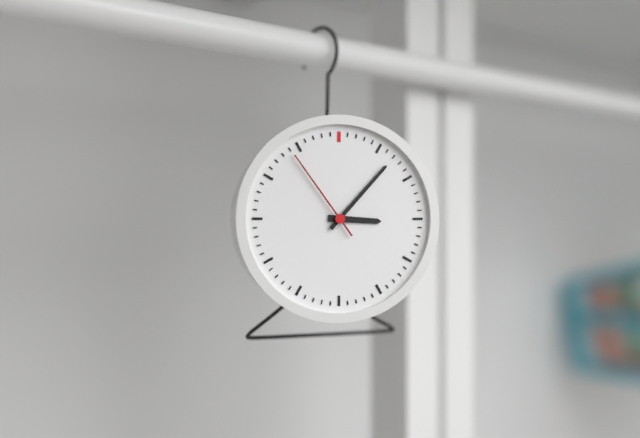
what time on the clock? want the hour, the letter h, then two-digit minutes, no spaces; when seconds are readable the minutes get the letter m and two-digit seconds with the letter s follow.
3h07m54s
